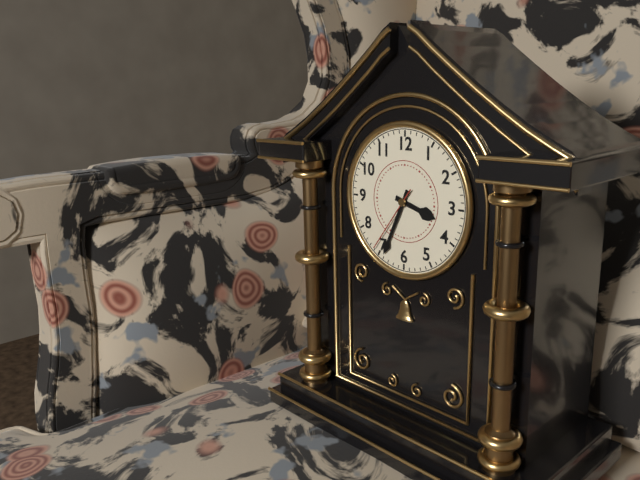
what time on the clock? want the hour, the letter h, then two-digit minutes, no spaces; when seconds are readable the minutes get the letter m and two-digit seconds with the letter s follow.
3h34m36s
